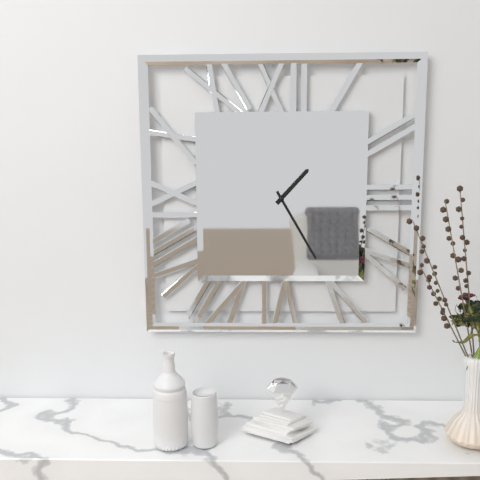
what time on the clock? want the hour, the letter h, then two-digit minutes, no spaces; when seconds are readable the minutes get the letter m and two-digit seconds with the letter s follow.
1h25
